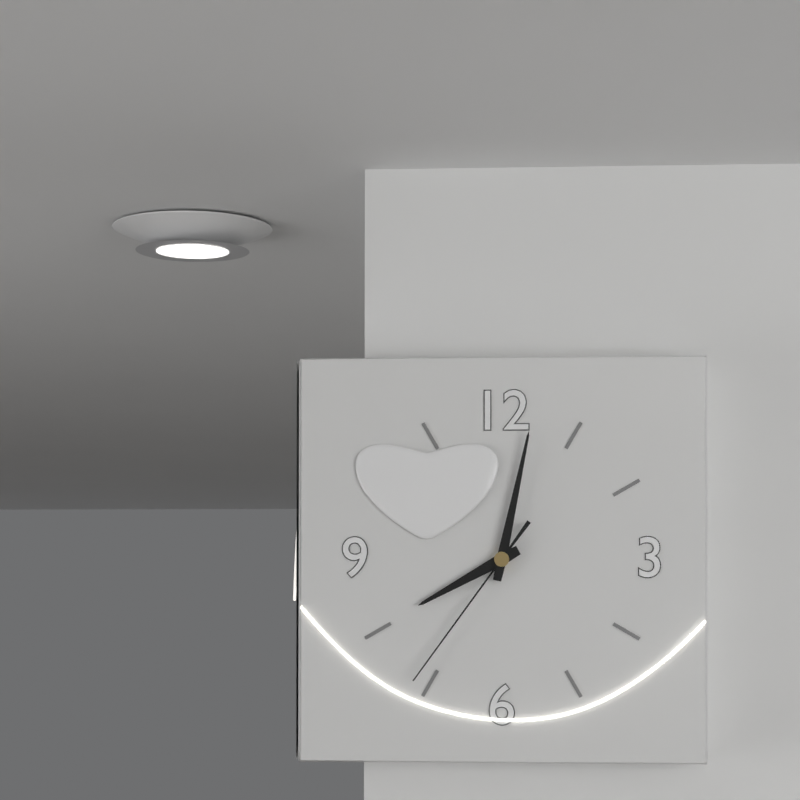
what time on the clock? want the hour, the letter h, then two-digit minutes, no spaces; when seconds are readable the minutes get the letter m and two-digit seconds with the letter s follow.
8h02m36s
